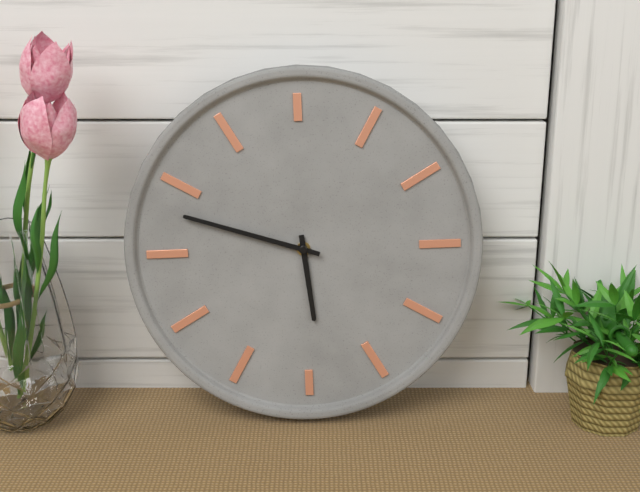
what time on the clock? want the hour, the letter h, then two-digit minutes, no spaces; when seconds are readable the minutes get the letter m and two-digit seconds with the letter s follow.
5h48
